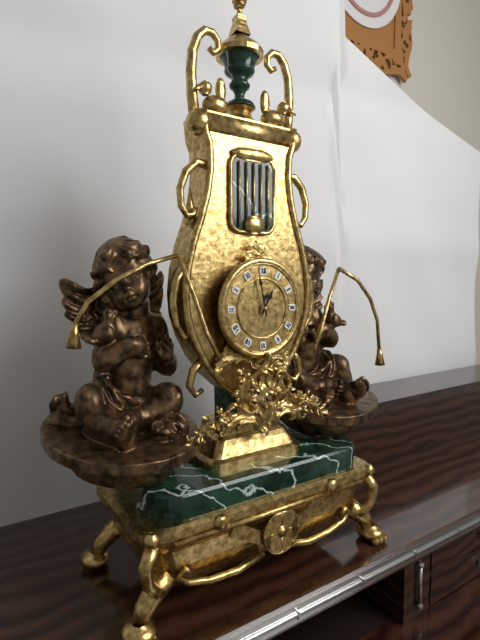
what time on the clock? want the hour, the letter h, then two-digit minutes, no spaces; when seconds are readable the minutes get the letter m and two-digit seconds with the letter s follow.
12h58
